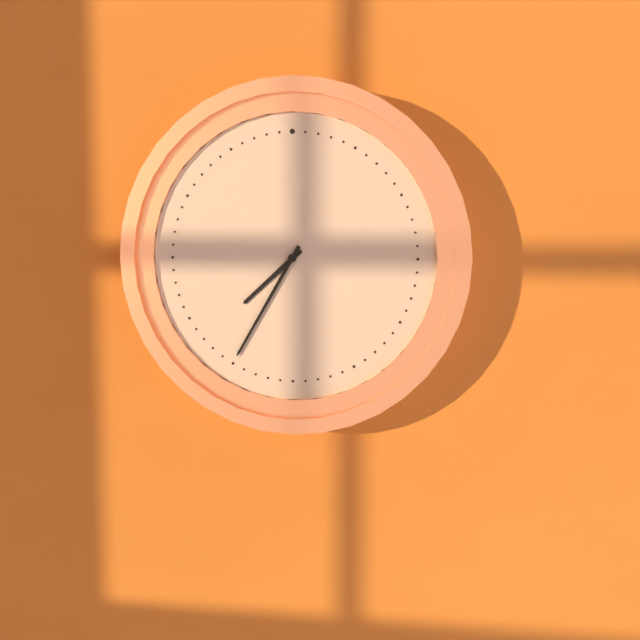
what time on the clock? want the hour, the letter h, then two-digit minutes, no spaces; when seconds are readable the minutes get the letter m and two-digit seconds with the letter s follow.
7h35
